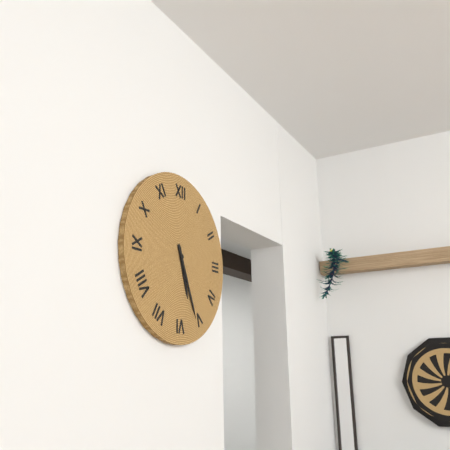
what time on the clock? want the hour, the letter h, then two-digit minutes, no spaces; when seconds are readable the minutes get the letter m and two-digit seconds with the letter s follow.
5h26
